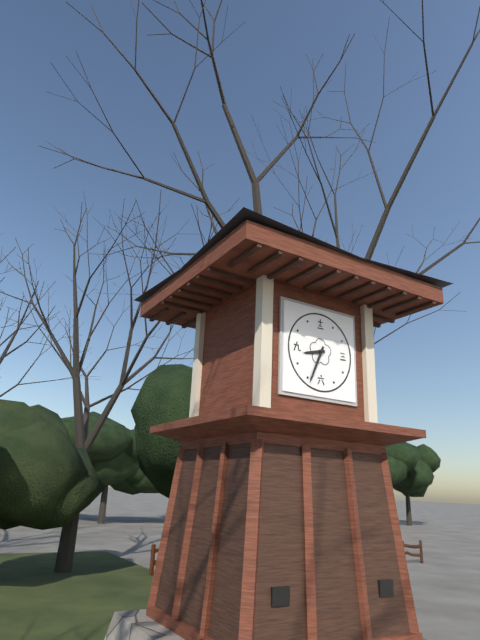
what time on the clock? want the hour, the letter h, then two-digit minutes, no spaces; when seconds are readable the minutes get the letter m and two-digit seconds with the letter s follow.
8h34
